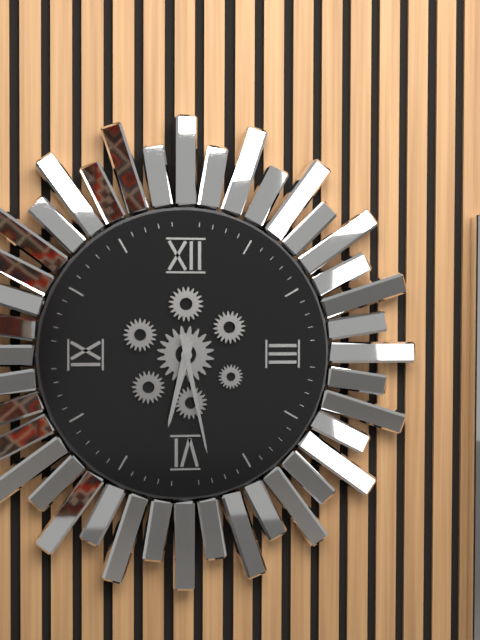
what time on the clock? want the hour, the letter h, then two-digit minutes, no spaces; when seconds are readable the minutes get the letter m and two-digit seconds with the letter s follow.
6h28
